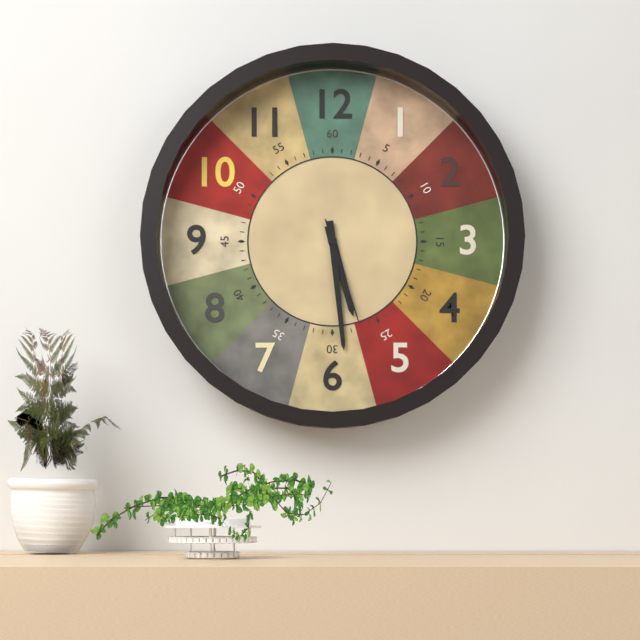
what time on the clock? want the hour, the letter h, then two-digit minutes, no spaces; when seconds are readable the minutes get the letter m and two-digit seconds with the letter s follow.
5h29m27s
